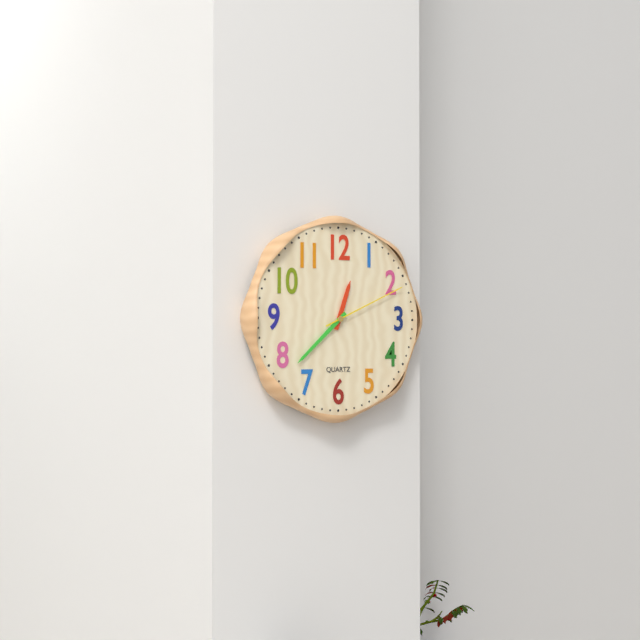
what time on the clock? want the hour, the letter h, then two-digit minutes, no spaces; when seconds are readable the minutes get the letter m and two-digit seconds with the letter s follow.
12h38m11s
